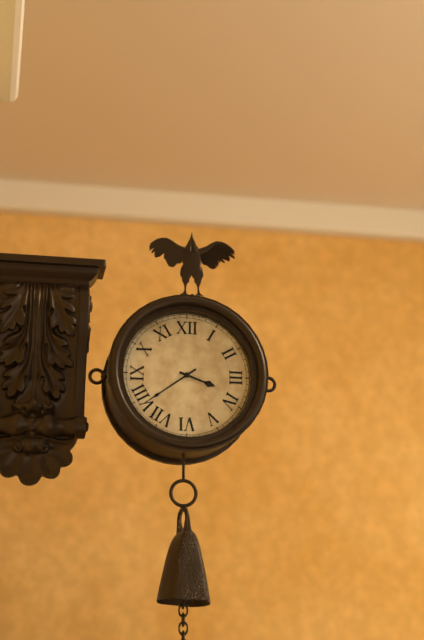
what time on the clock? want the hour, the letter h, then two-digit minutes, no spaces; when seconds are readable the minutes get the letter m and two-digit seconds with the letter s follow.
3h39
